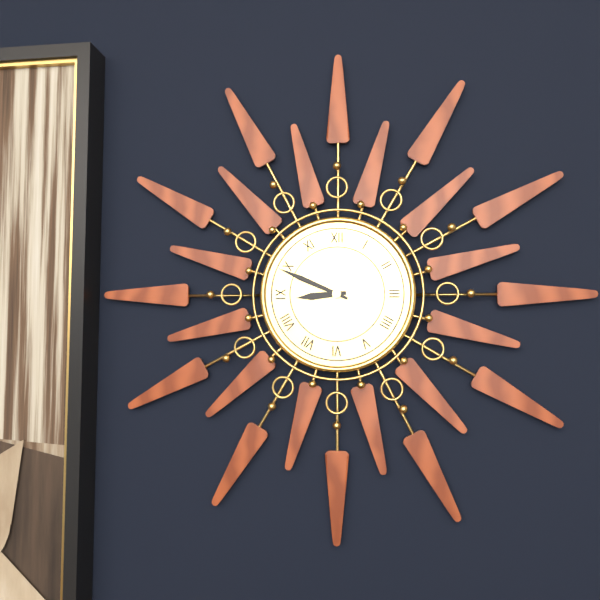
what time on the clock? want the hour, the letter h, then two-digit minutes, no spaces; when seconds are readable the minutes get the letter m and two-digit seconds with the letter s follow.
8h49
